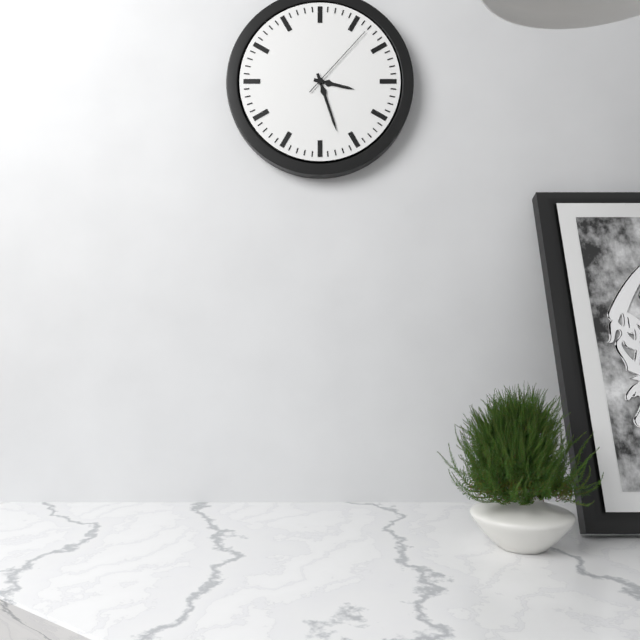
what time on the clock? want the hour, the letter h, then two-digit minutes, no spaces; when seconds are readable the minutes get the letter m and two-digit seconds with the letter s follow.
3h27m07s
